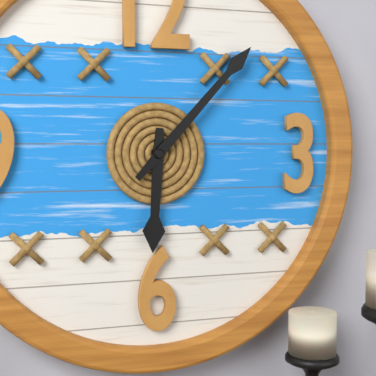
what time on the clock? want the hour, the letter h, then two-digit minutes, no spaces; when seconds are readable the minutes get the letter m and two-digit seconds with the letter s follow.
6h07
